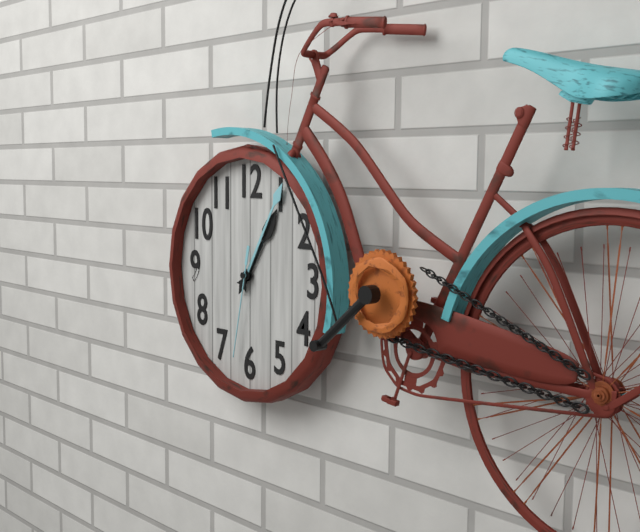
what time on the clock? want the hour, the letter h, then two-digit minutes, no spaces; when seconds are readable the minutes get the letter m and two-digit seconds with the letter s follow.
1h05m32s
